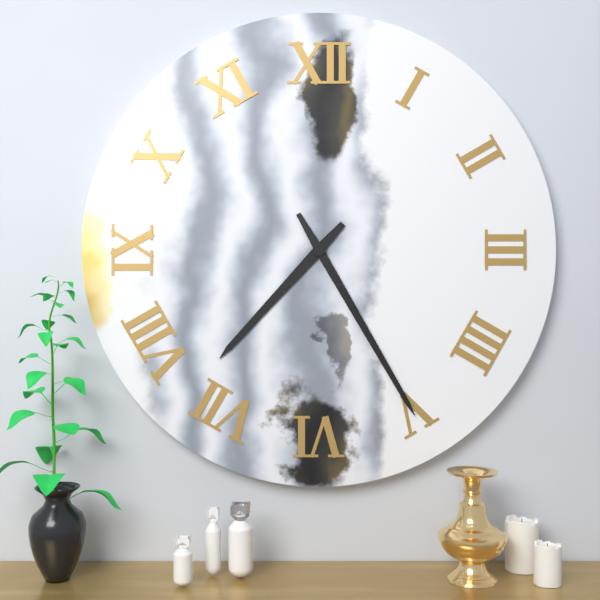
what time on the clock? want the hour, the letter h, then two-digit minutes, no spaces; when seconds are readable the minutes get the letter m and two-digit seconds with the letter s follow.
7h25
